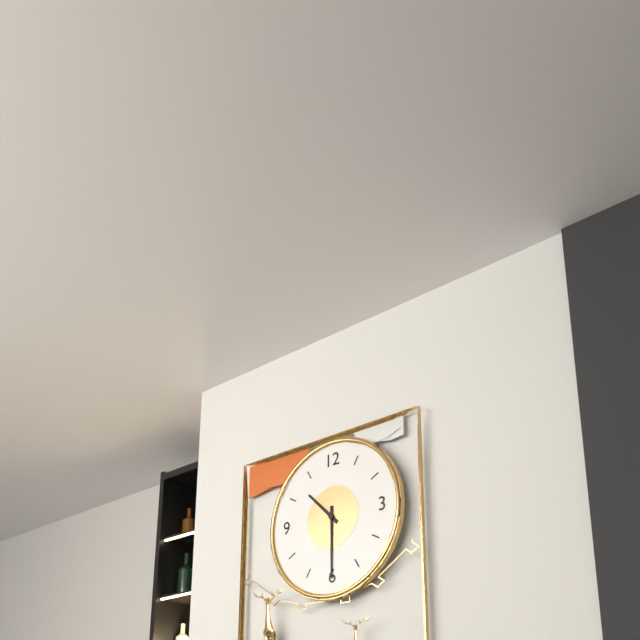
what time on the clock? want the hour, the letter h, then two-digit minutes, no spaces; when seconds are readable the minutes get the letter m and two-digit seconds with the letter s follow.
10h30
